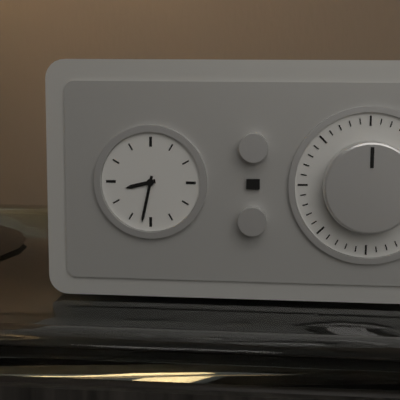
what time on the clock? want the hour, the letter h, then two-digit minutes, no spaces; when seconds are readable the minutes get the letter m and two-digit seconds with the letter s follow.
8h32
